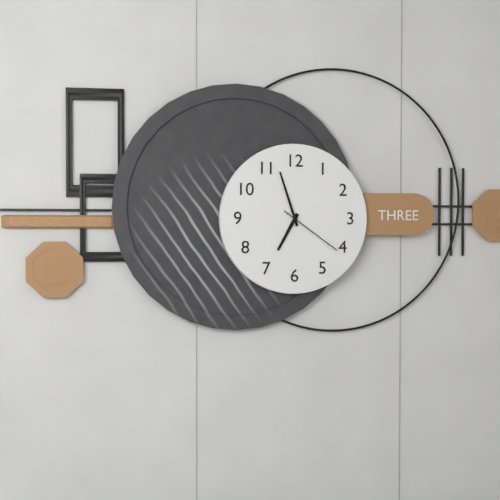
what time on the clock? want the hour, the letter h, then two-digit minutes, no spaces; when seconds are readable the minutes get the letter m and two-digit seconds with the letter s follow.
6h57m21s
